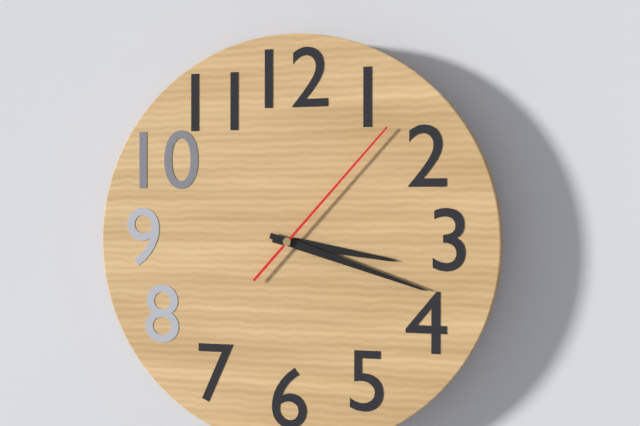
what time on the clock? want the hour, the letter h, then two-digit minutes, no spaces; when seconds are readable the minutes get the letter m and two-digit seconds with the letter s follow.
3h18m07s
